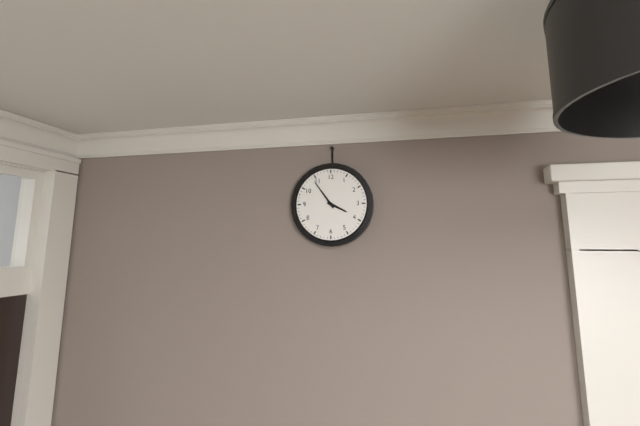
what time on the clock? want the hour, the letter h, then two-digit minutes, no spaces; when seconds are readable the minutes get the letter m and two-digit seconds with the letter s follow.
3h54
